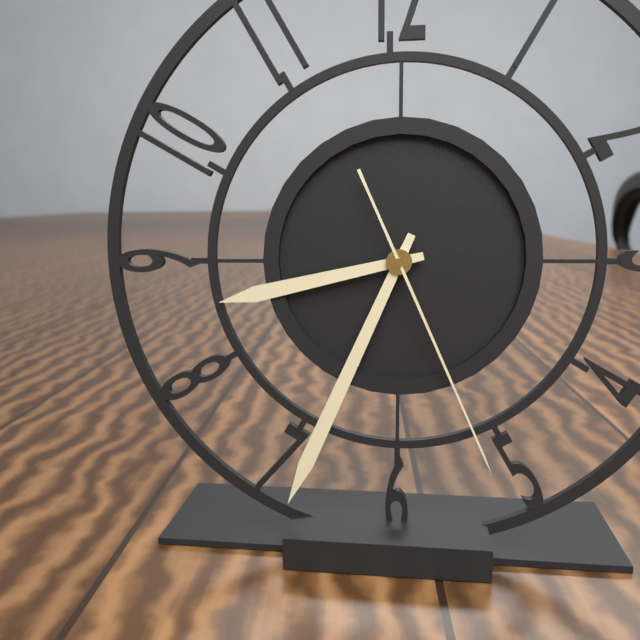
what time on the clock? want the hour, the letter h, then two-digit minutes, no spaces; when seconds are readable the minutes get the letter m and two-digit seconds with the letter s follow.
8h34m26s
